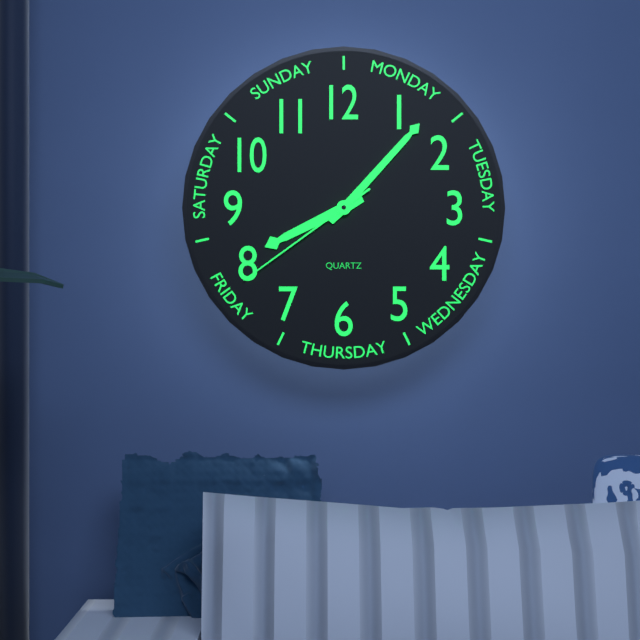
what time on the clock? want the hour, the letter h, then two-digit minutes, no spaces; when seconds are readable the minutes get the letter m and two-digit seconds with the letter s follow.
8h07m39s
